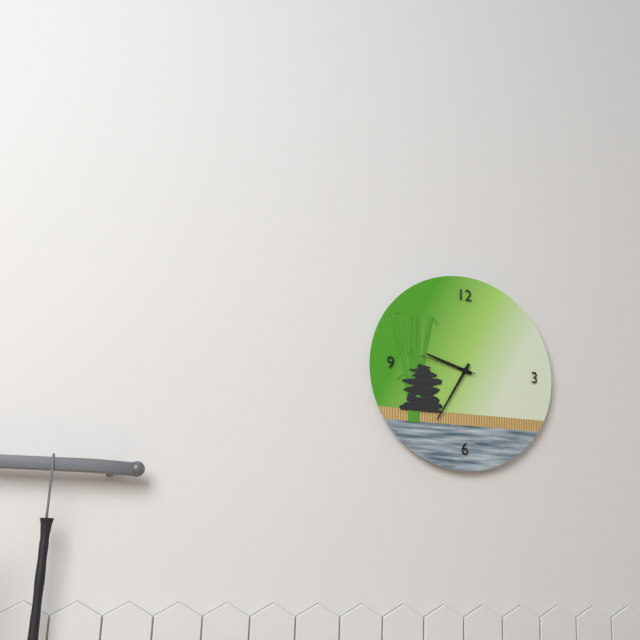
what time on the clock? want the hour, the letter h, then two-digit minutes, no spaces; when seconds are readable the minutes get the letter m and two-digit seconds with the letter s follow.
9h35m47s
